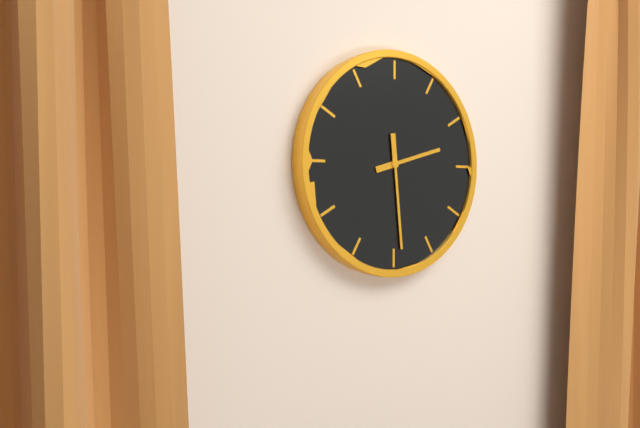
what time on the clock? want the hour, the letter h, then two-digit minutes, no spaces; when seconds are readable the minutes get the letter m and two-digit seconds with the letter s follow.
2h29
